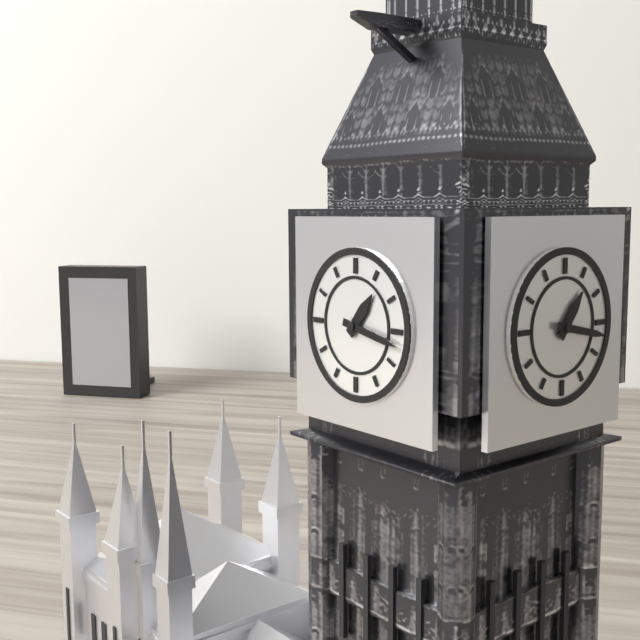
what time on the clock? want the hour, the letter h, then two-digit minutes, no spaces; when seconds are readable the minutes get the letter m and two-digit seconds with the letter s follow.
1h17
